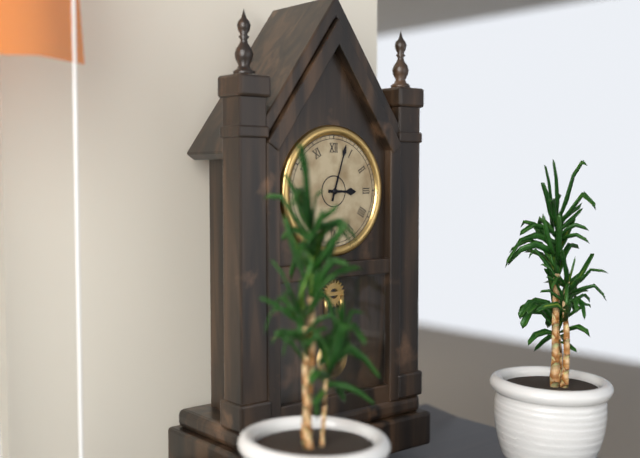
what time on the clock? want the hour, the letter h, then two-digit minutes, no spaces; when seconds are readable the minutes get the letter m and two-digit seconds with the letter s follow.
3h03
